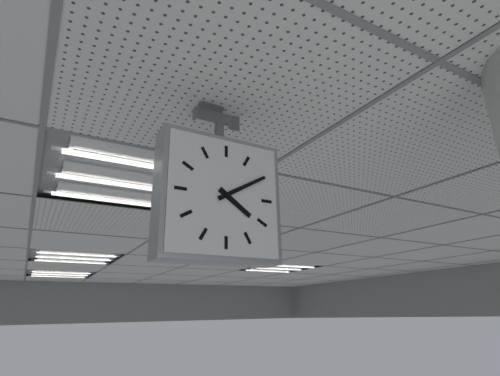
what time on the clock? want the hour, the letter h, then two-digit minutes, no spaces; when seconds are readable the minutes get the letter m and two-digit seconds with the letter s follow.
4h10
